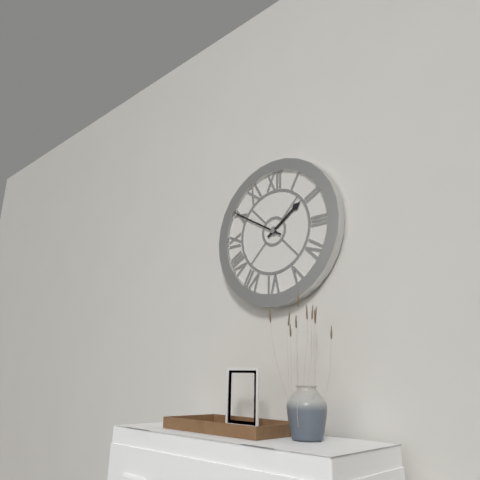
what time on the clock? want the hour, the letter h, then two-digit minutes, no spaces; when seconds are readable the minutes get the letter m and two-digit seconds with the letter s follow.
1h50
